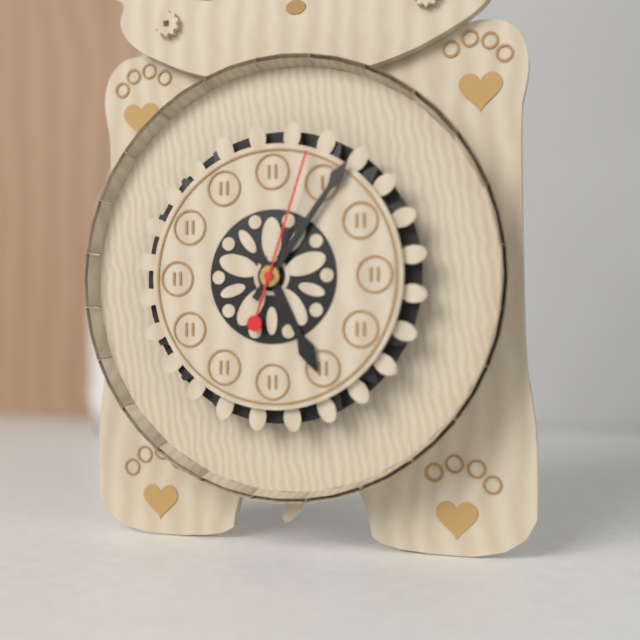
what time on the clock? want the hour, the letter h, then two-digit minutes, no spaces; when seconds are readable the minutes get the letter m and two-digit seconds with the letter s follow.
5h06m03s
